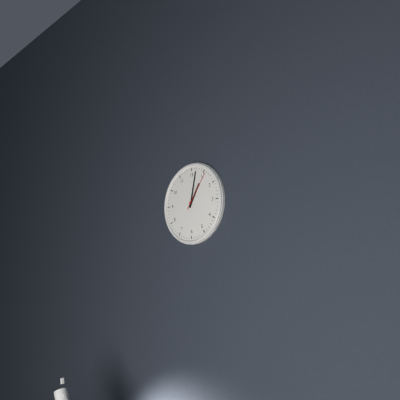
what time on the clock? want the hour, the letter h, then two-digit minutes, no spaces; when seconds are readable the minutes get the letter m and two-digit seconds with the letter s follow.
1h02
